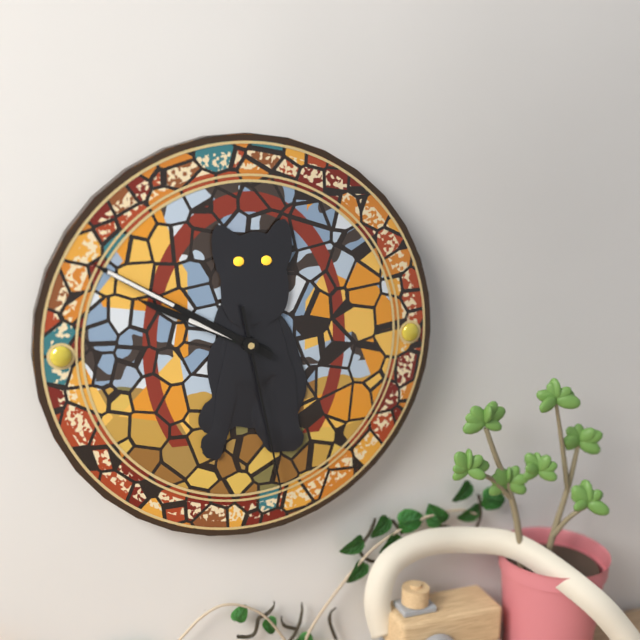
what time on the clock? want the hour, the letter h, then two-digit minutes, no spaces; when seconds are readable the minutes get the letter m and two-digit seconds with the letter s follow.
9h50m28s
